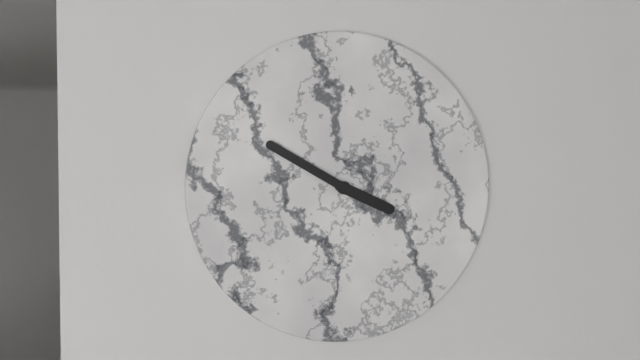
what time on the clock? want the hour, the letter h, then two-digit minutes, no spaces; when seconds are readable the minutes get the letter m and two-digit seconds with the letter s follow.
3h50
